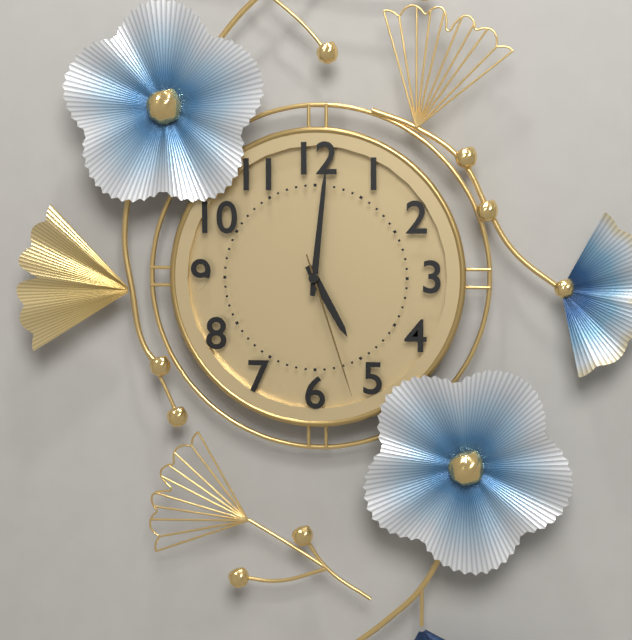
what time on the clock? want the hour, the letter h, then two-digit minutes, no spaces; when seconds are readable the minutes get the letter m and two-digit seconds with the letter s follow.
5h01m27s
